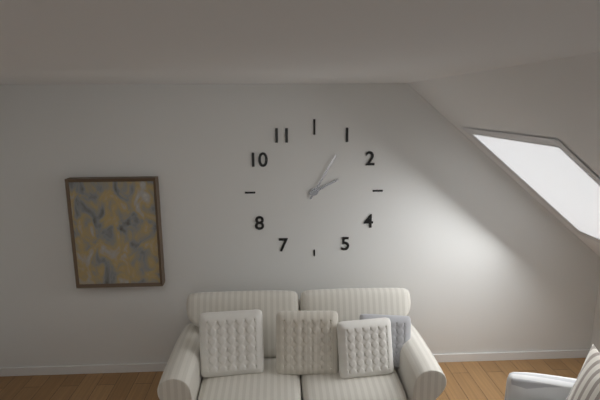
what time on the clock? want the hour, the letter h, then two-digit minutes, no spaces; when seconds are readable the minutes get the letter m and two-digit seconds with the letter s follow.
2h05
